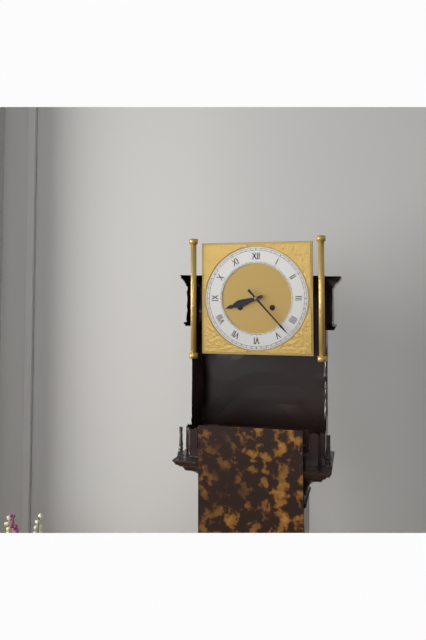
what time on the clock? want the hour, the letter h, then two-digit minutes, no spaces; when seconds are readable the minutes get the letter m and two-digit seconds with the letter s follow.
8h23
